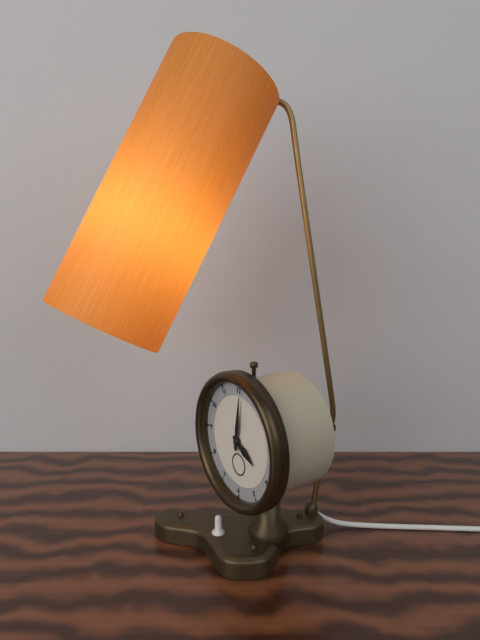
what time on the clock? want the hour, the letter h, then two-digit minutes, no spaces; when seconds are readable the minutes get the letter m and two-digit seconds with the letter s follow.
4h01
